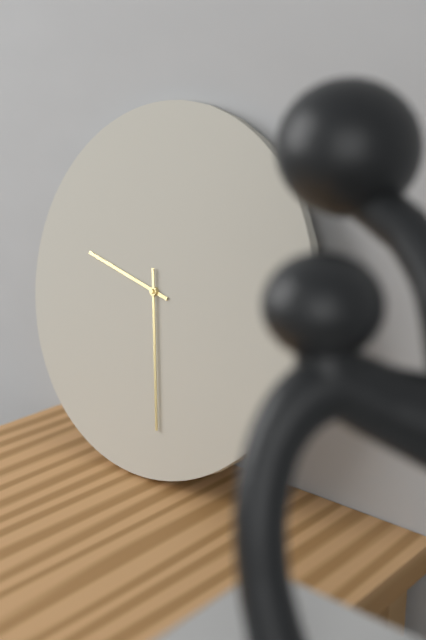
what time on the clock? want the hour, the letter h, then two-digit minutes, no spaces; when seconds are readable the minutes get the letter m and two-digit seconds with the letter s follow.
9h28
